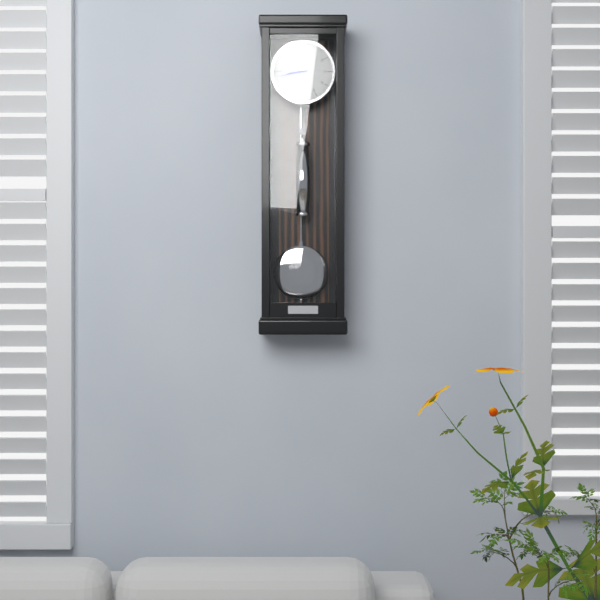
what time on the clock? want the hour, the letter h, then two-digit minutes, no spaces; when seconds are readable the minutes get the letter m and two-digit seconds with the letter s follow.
8h43
